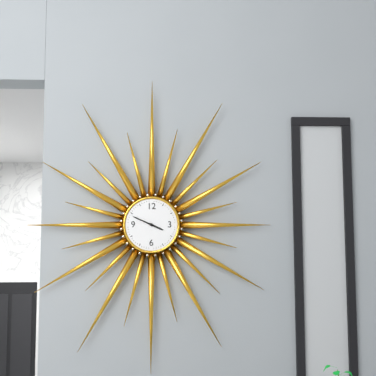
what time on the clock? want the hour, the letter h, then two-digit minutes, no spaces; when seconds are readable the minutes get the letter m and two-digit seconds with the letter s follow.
3h49
